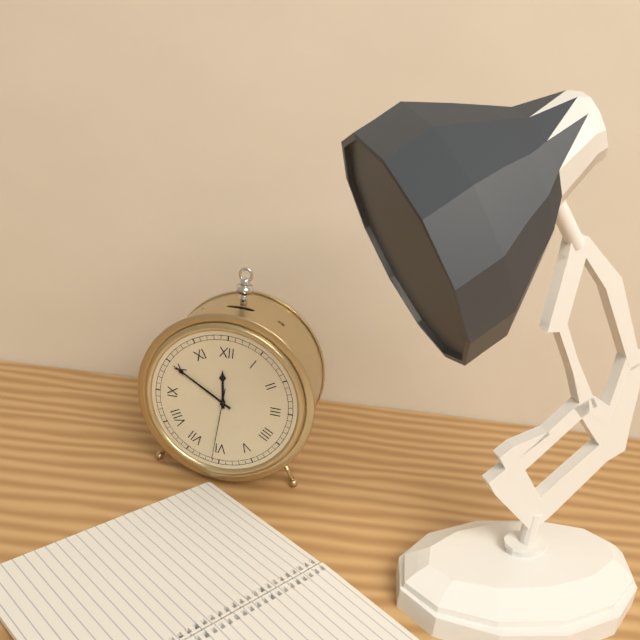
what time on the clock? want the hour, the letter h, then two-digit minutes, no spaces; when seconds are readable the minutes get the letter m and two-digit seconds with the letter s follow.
11h50m31s
